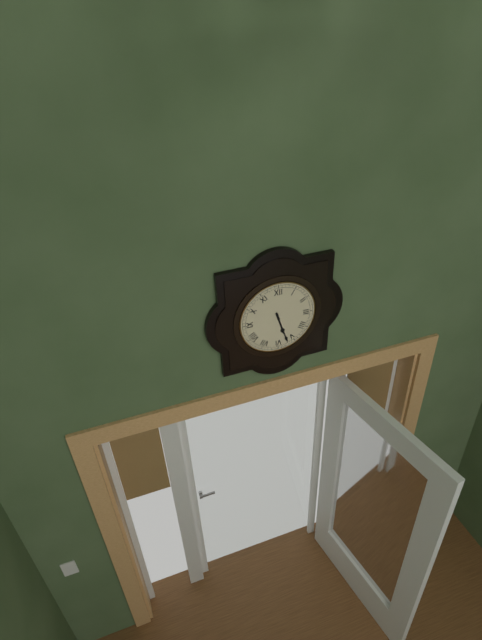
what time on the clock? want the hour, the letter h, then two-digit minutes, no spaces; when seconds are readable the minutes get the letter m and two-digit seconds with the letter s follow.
5h27
